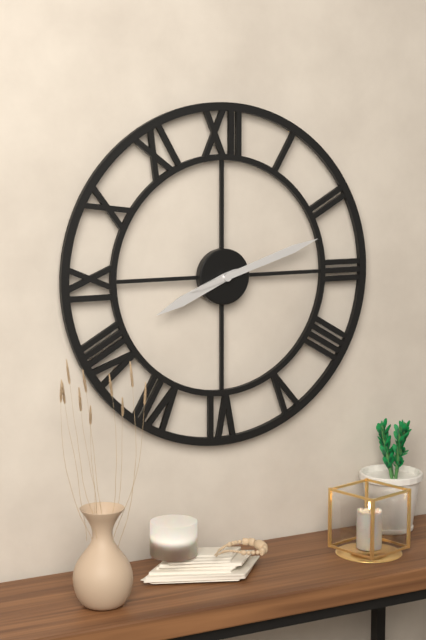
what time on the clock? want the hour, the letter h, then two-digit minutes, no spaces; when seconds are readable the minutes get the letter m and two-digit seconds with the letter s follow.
8h12
